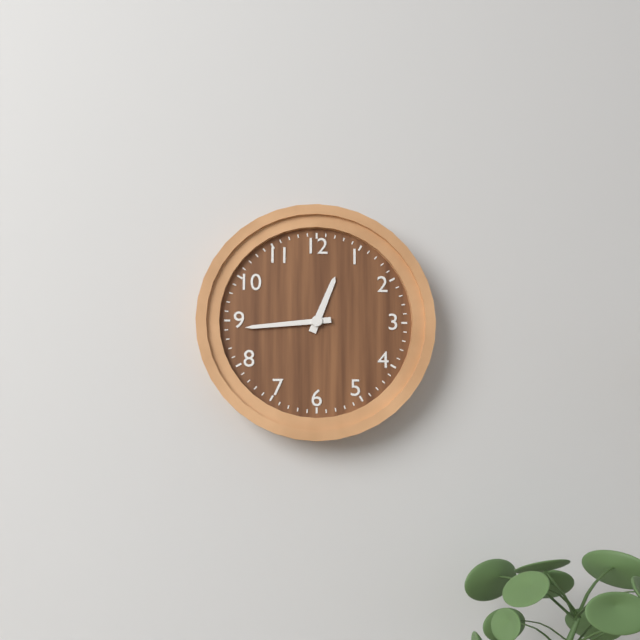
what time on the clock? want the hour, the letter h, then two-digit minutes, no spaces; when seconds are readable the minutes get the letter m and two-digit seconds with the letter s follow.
12h44
